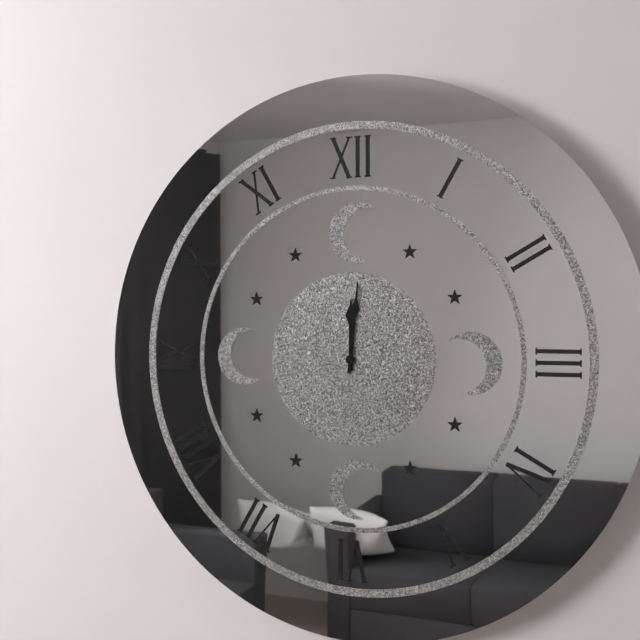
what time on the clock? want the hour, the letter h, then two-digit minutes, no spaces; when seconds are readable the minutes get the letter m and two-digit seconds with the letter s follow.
12h01
